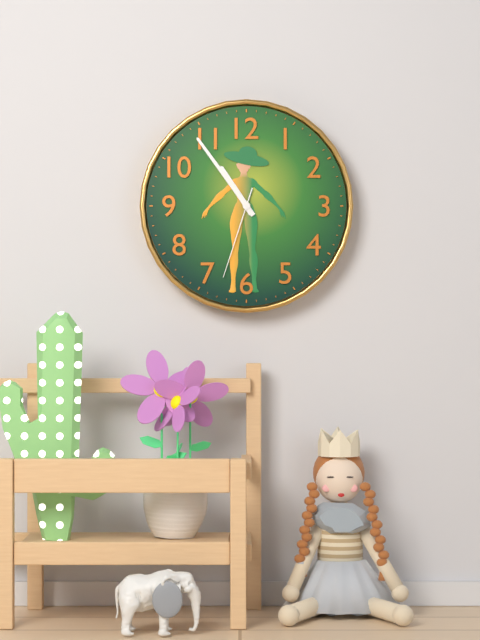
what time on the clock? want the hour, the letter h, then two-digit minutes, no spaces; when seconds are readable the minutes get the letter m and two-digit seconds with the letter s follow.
10h54m33s
